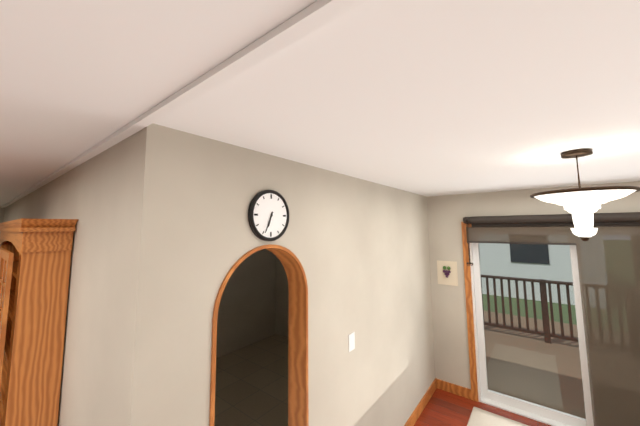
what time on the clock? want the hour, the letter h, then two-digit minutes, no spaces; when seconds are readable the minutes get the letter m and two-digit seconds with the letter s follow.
6h34
